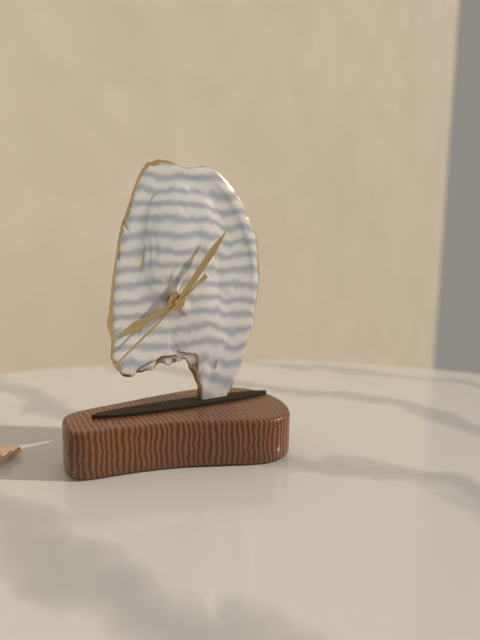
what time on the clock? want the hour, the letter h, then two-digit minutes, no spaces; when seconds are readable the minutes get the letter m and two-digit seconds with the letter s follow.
8h06m38s
